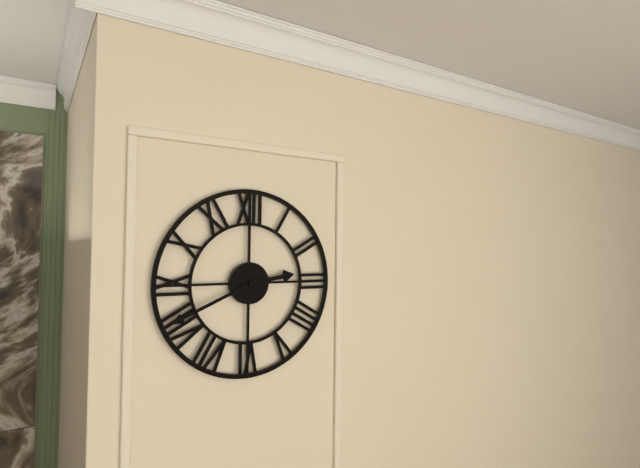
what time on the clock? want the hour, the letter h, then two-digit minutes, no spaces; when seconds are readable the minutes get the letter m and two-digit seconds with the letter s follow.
2h41
